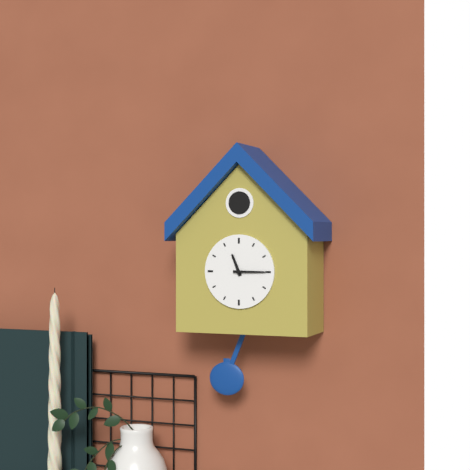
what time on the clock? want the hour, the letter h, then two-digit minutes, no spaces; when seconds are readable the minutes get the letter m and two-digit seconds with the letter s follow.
11h15
